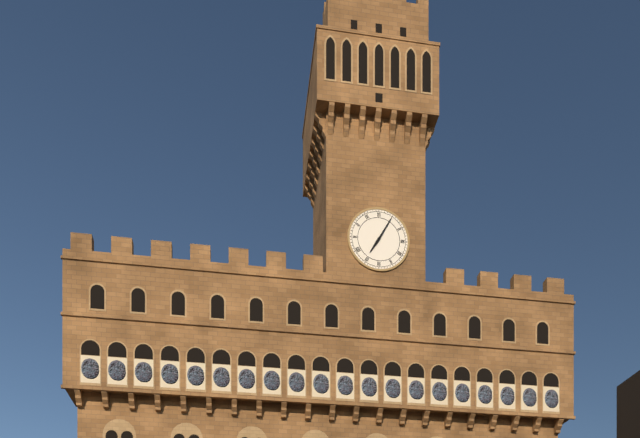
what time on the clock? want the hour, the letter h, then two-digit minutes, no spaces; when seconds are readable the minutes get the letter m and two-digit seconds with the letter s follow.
7h05
